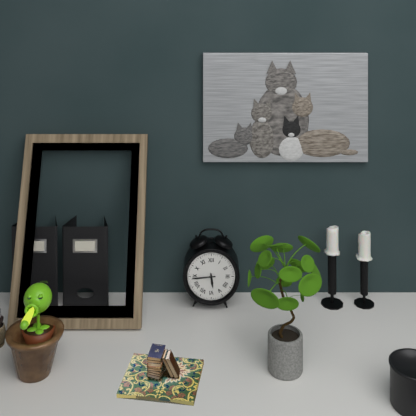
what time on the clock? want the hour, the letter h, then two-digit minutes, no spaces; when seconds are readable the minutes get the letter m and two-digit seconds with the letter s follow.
5h44
